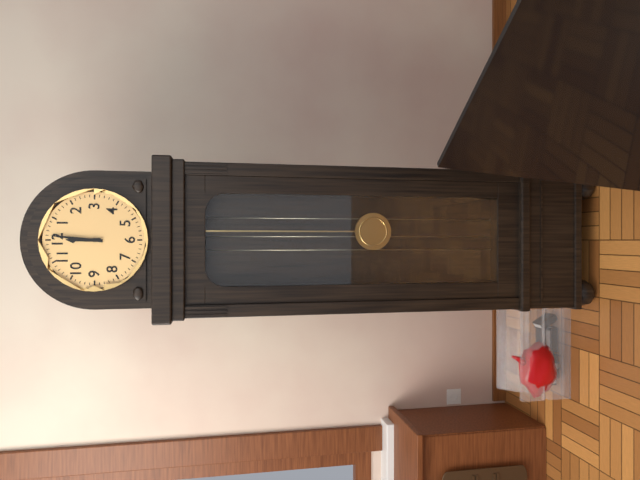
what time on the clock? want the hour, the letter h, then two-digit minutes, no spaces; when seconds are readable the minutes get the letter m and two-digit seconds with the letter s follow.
12h01
